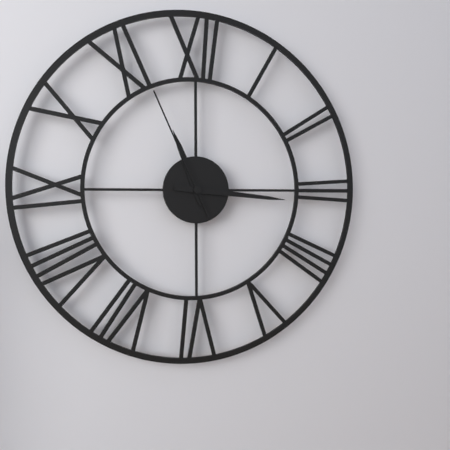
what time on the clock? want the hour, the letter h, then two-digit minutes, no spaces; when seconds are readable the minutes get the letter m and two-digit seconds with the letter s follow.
11h16m56s
